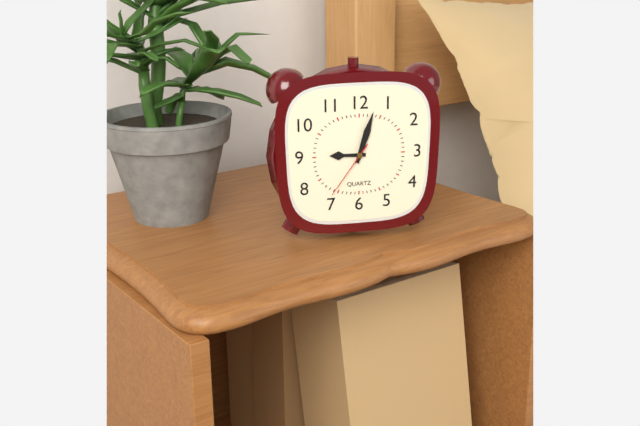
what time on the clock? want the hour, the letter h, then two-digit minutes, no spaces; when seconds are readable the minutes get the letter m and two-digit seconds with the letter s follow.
9h03m36s
